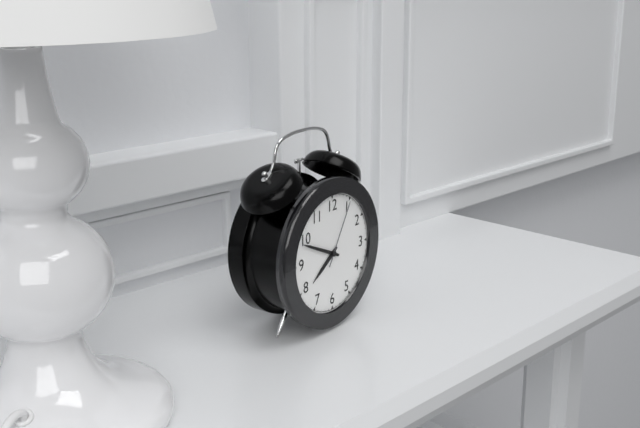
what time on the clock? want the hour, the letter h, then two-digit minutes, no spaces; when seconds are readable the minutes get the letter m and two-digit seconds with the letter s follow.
7h49m05s
